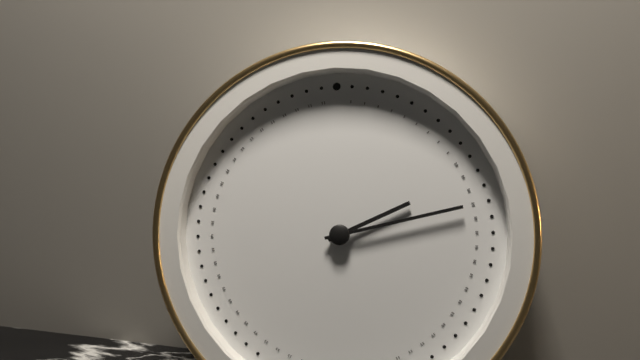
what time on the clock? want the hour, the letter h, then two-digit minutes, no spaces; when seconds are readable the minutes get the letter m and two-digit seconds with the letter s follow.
2h13
